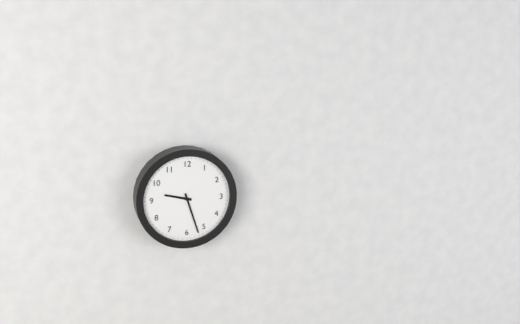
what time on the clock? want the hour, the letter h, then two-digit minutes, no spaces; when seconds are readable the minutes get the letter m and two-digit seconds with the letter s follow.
9h27
